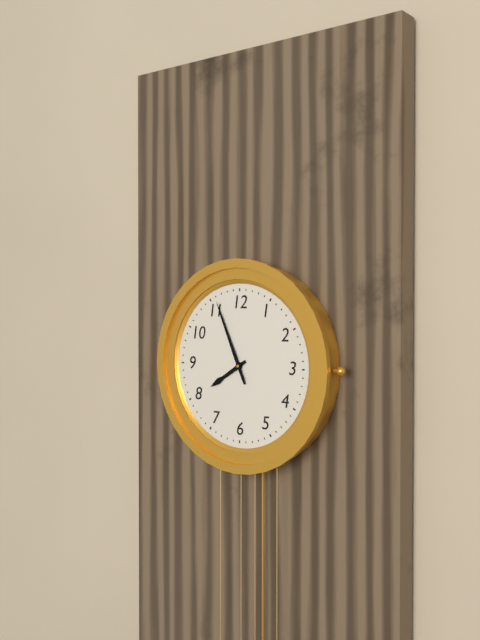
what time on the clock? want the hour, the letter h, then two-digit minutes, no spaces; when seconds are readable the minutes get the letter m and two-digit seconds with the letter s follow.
7h56
